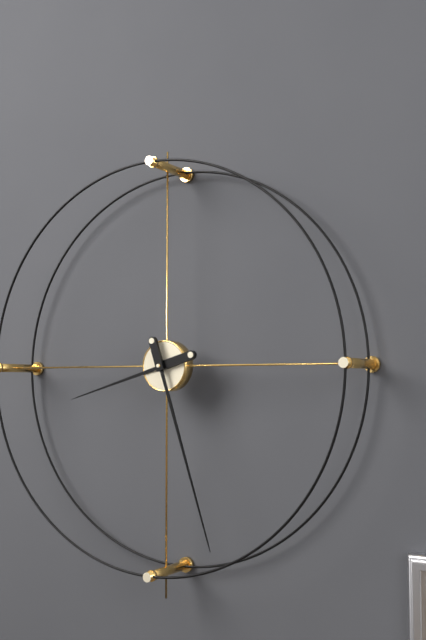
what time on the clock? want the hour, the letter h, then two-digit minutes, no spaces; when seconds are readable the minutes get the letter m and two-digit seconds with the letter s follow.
8h27
